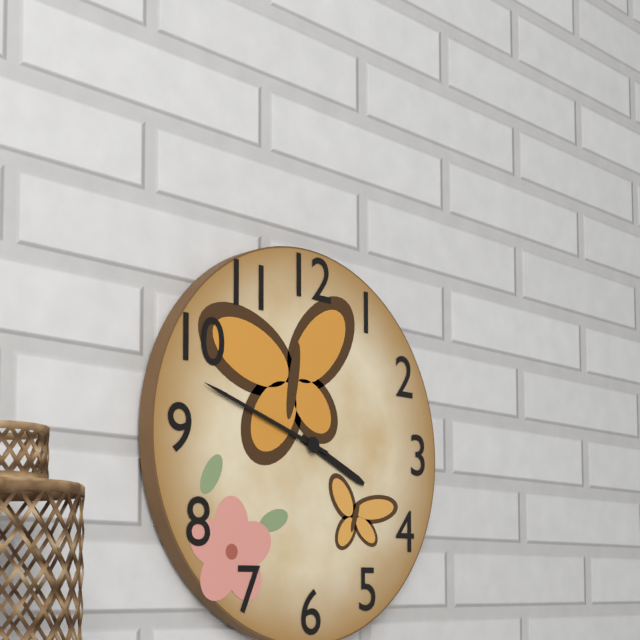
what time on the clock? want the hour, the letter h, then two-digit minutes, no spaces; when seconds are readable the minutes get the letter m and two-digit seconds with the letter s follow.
3h48
